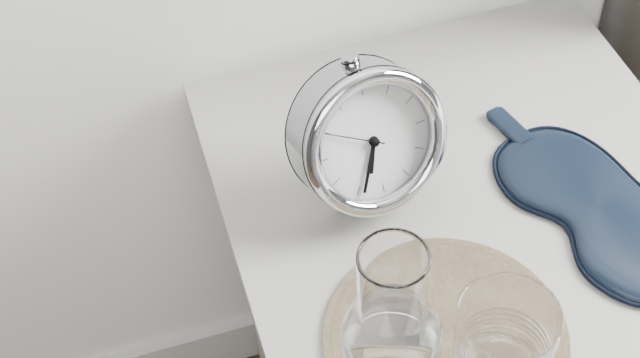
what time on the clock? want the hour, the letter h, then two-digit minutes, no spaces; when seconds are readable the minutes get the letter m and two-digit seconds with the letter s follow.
6h34m50s
